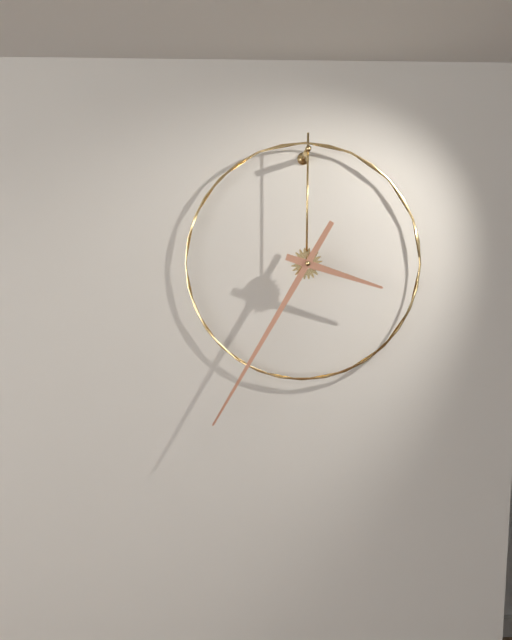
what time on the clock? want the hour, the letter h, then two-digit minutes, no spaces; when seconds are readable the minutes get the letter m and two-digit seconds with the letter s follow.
3h35
